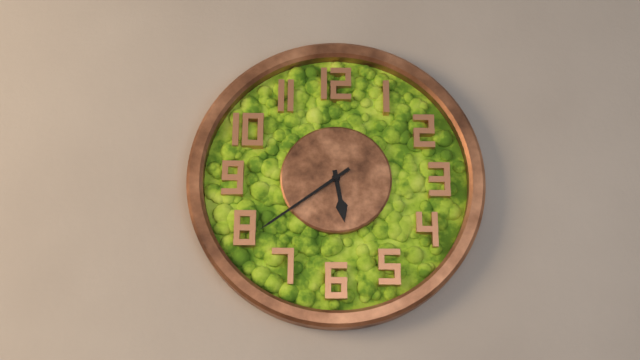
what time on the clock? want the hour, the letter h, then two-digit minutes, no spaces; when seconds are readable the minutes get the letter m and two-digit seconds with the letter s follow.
5h39
